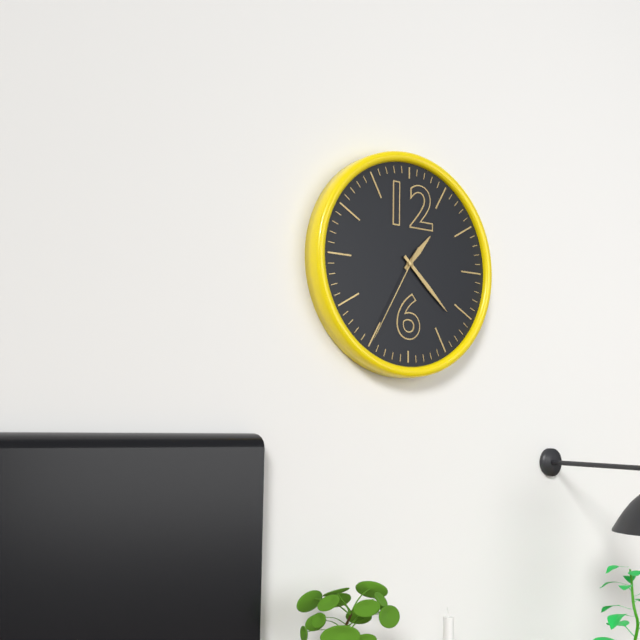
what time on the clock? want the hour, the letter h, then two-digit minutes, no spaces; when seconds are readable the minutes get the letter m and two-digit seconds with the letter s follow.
1h22m35s
